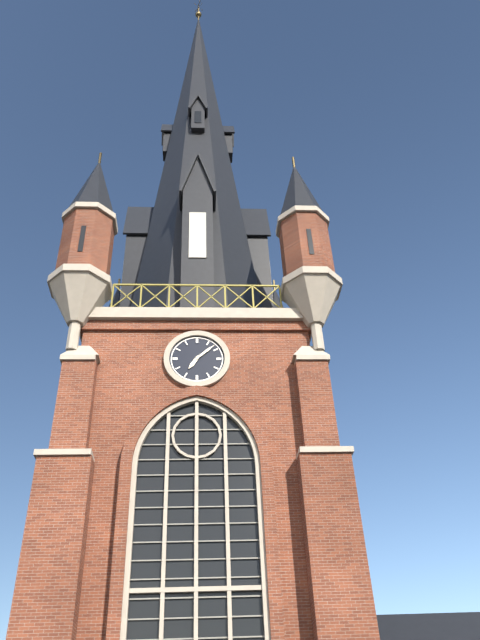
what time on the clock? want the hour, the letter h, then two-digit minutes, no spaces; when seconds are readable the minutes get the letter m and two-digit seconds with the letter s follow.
7h08
